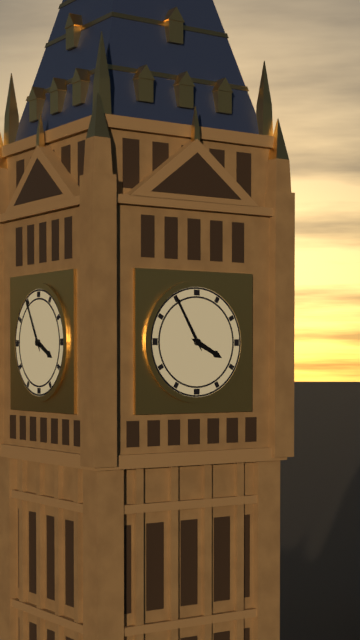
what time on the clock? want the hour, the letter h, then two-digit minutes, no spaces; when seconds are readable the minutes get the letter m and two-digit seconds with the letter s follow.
3h55
